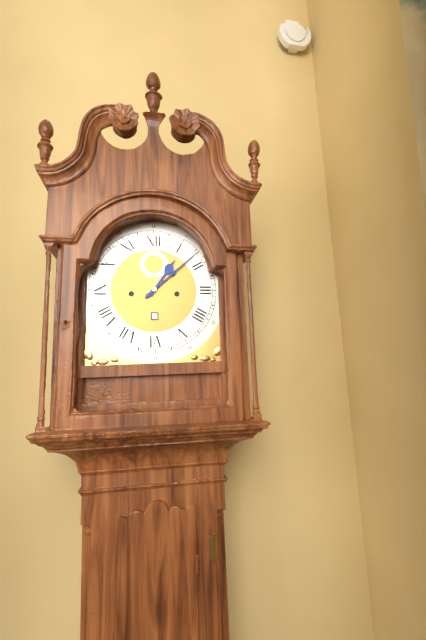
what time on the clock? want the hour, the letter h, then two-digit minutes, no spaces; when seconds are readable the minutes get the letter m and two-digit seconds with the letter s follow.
1h08
